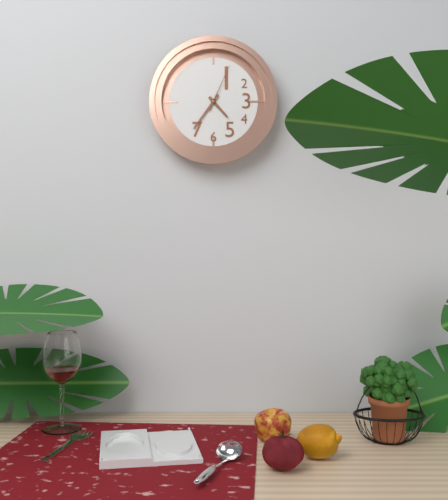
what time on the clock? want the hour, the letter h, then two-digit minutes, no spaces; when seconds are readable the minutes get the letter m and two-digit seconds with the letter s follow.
4h36
